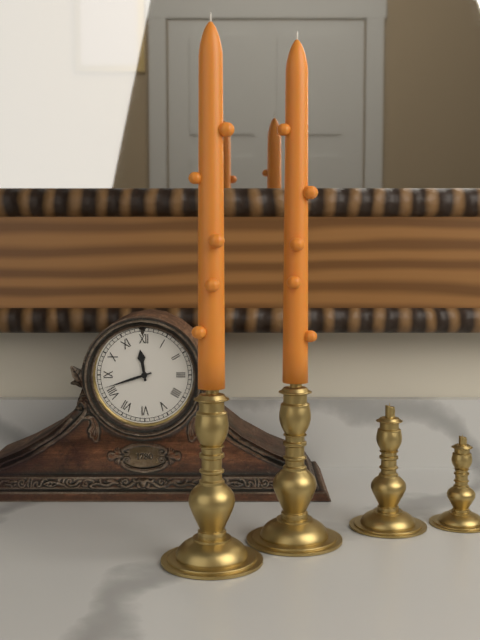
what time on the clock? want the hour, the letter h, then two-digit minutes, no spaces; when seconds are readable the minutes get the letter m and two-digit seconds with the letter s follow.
11h42
